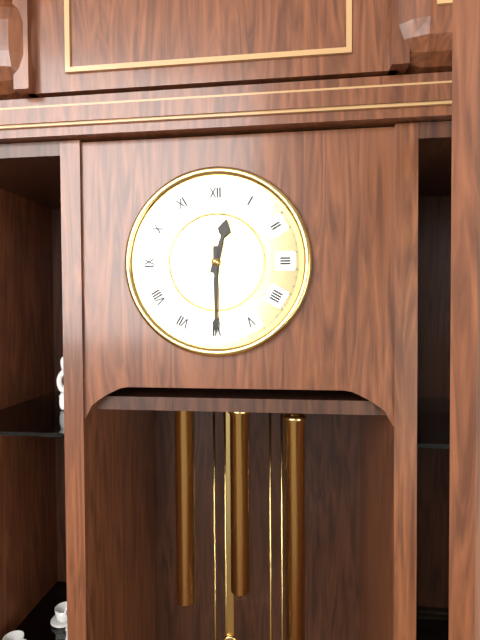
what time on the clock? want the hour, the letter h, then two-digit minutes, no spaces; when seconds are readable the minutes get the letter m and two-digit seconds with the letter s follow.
12h30
